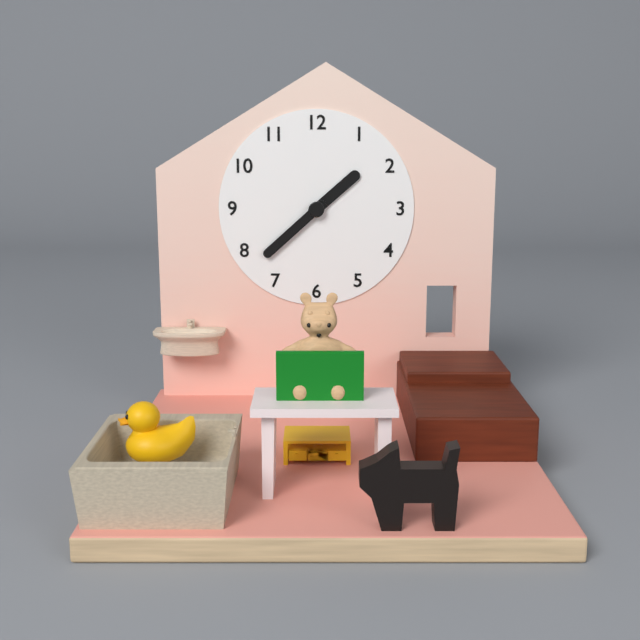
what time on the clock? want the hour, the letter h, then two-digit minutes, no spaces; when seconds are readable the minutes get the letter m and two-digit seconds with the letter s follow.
1h38
